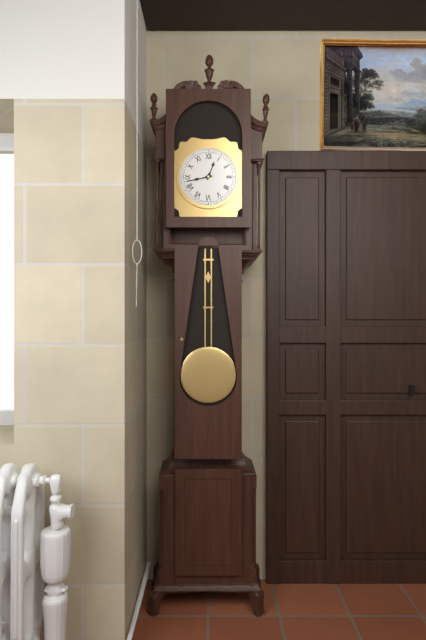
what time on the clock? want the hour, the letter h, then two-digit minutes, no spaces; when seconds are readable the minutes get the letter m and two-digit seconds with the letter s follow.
12h43
